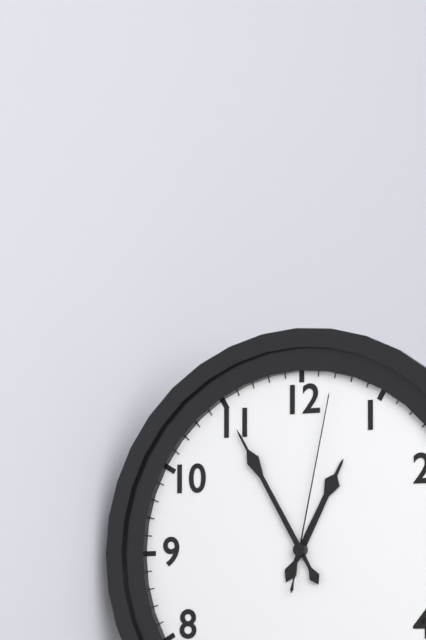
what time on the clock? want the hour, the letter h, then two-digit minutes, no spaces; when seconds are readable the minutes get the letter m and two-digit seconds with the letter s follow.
12h55m02s
